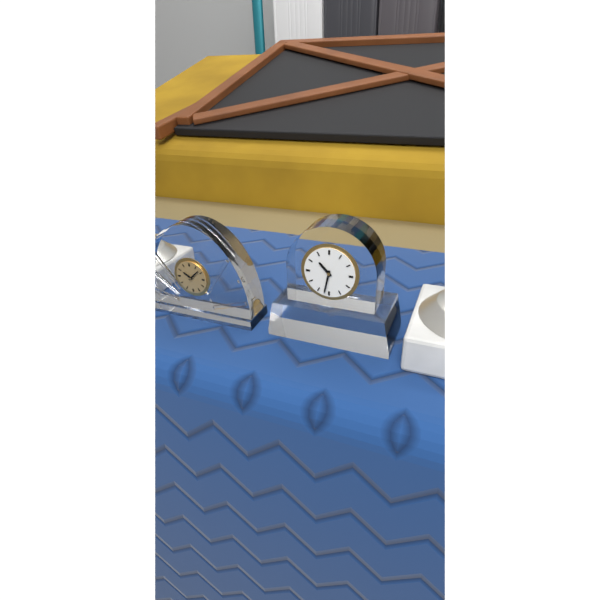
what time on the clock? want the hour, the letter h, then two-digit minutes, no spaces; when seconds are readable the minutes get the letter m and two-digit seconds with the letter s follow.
10h32
